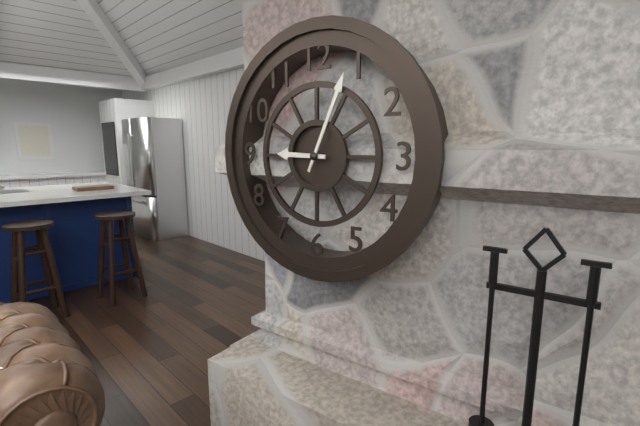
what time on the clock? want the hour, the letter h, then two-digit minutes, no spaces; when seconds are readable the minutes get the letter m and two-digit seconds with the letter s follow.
9h04
